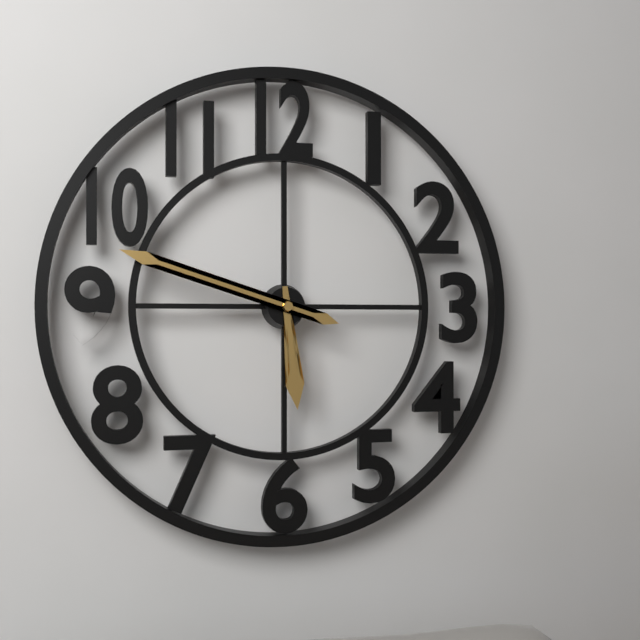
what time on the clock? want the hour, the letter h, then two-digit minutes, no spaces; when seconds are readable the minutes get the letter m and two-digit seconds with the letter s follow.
5h48
